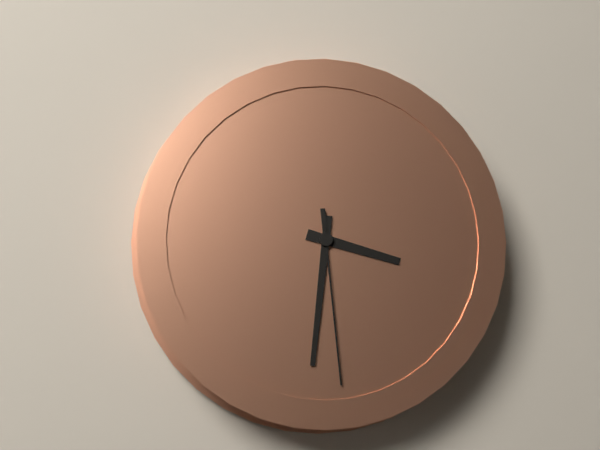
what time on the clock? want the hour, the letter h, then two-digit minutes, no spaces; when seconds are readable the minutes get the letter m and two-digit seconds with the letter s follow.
3h31m29s
